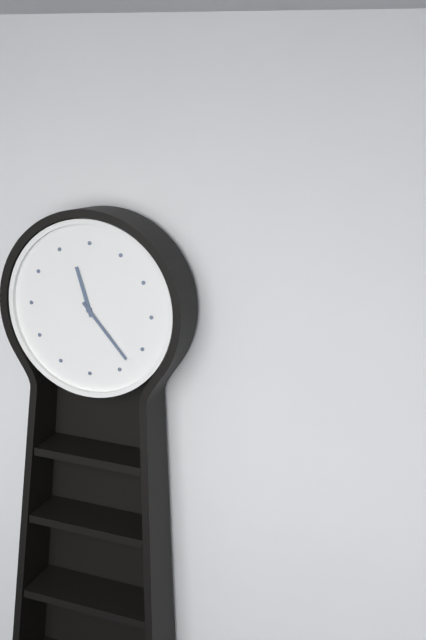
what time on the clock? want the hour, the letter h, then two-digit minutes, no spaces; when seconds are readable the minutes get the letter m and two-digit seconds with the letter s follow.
11h23
